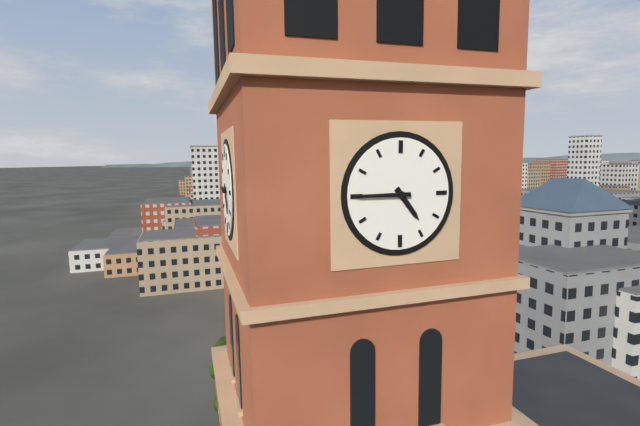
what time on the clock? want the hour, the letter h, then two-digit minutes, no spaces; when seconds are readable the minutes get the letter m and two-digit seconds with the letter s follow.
4h45
